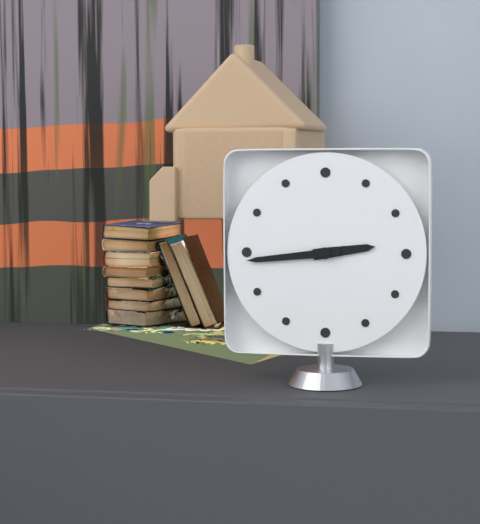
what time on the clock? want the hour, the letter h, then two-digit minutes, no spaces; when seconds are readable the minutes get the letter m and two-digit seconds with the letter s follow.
2h44
